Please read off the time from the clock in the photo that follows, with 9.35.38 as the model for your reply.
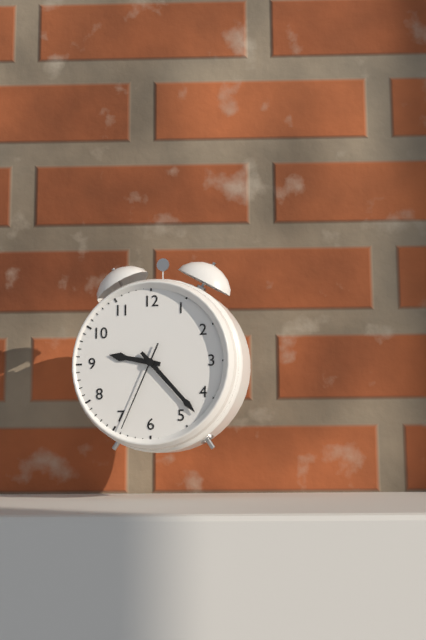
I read 9.23.34
